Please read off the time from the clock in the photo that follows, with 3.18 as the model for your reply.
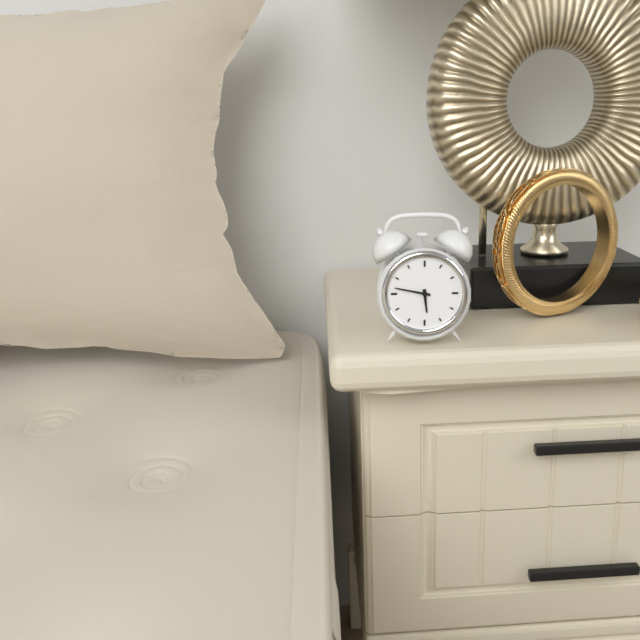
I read 5.47
